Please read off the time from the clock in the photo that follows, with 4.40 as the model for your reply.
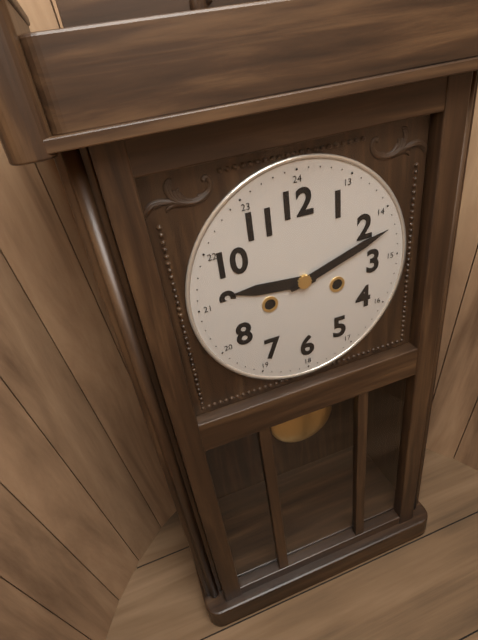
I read 9.12
